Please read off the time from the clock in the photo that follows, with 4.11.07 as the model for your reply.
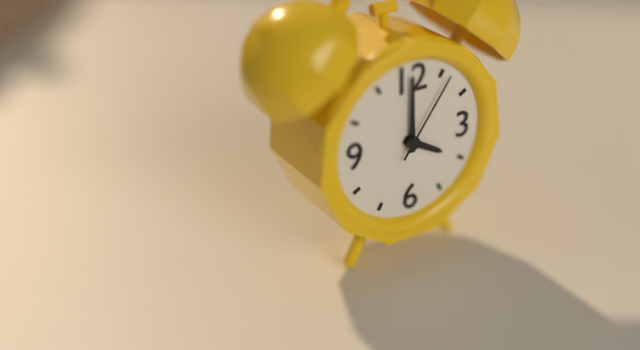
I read 4.00.06
